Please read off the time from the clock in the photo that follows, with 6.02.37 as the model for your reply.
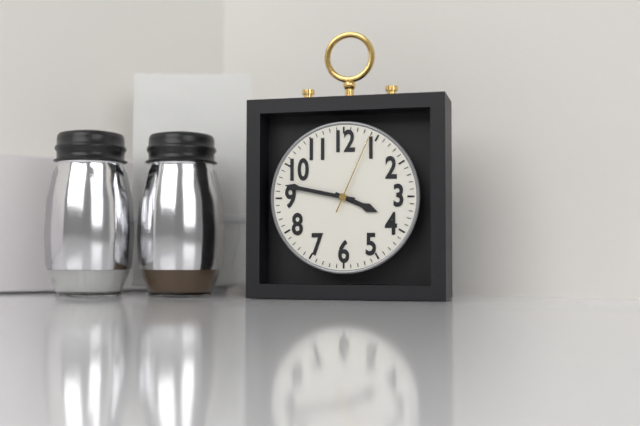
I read 3.47.04
